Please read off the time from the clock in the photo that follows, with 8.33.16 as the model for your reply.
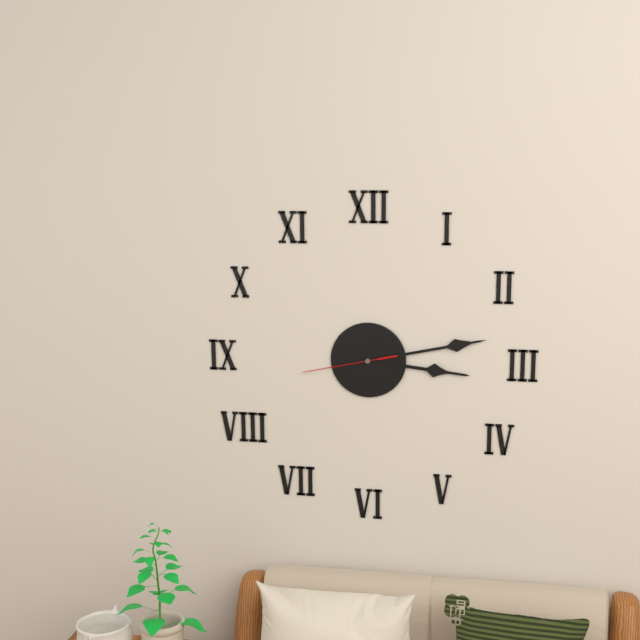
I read 3.13.43
